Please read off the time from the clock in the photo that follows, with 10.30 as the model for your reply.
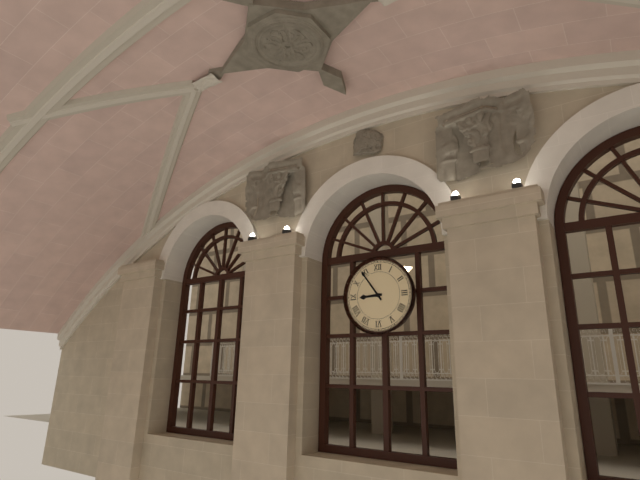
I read 8.54
